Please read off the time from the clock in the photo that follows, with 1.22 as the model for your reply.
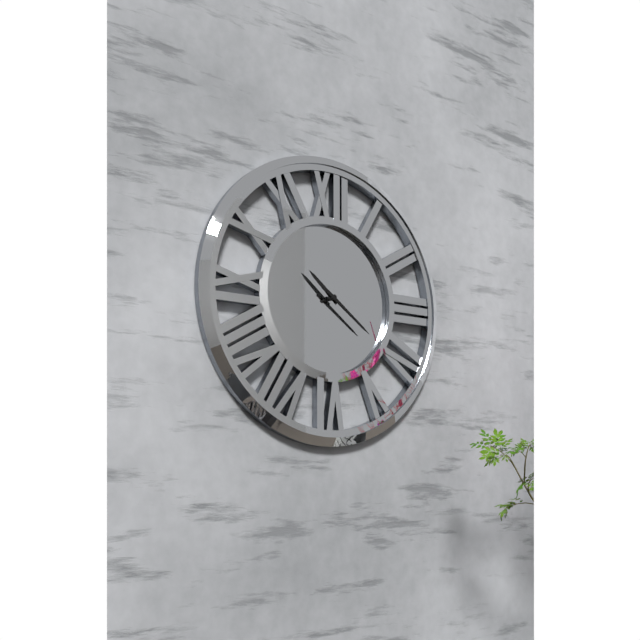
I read 10.21
